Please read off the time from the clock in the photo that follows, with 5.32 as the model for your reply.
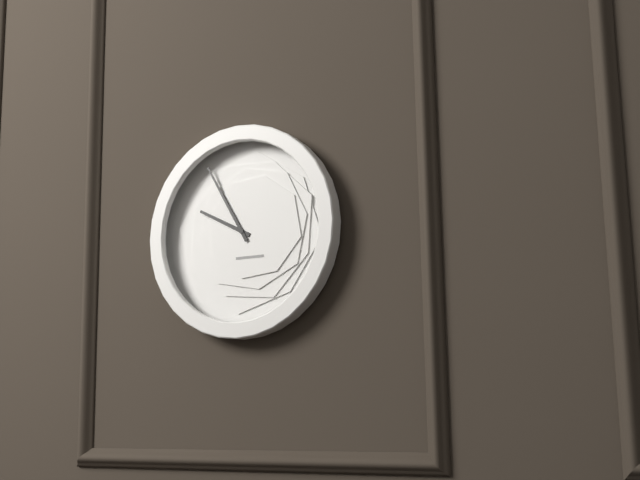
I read 9.55
